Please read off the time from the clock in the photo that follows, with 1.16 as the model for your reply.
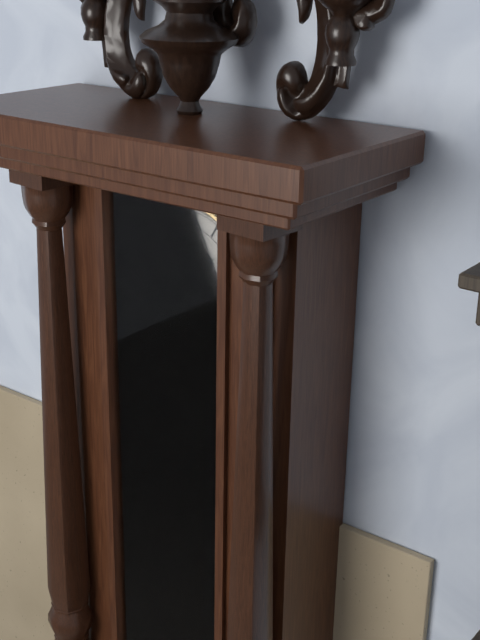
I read 1.44
